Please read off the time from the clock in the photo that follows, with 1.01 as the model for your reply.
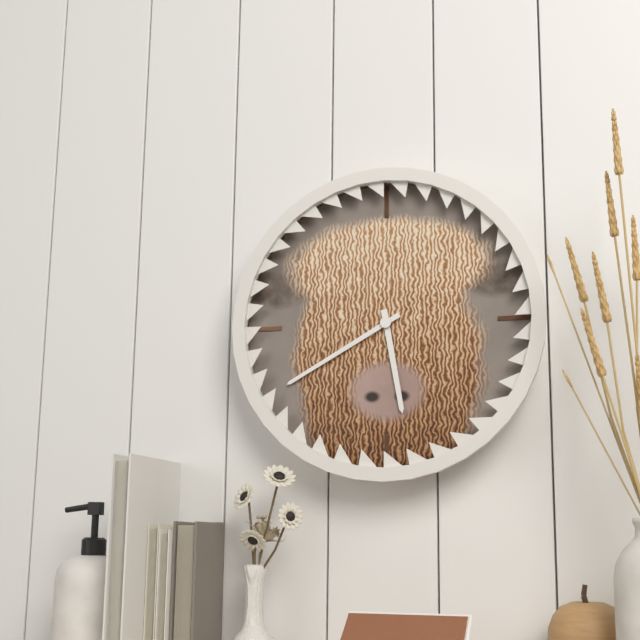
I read 5.40
